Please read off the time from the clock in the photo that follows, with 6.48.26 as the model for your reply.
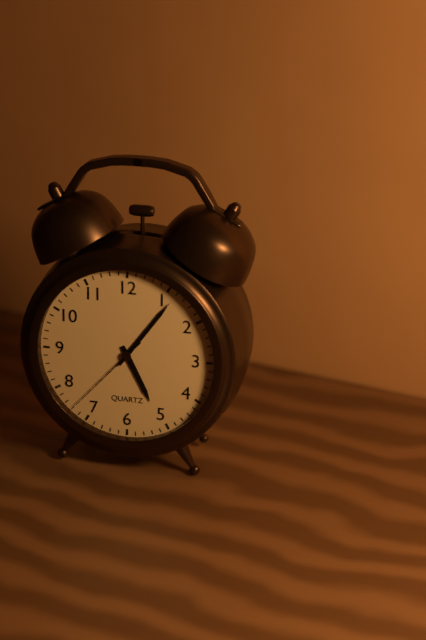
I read 5.06.37
